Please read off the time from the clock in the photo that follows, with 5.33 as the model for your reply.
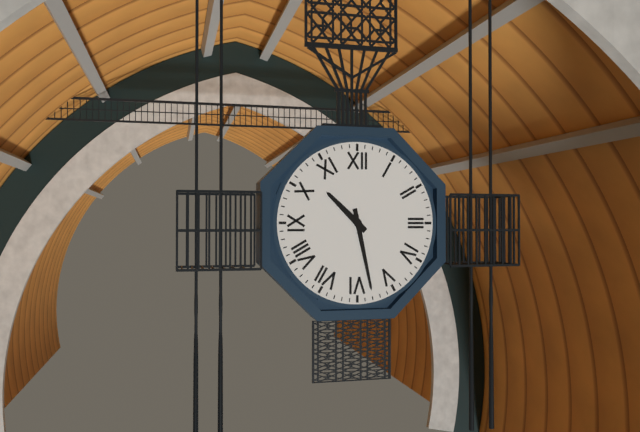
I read 10.28
